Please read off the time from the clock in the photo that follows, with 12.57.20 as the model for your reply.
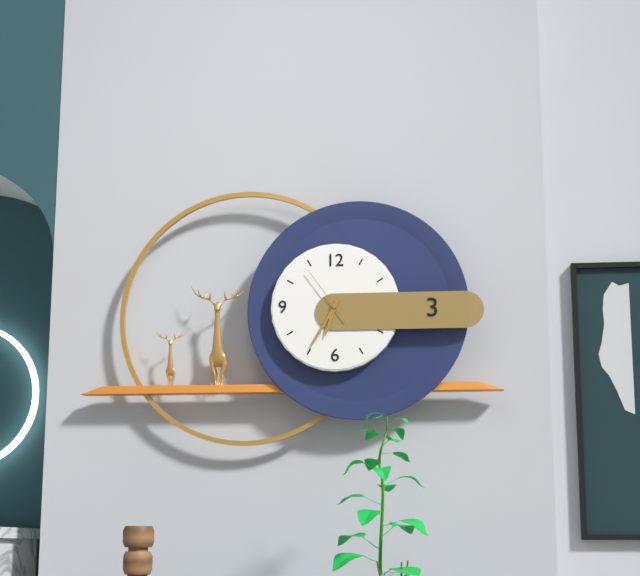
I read 6.35.54
